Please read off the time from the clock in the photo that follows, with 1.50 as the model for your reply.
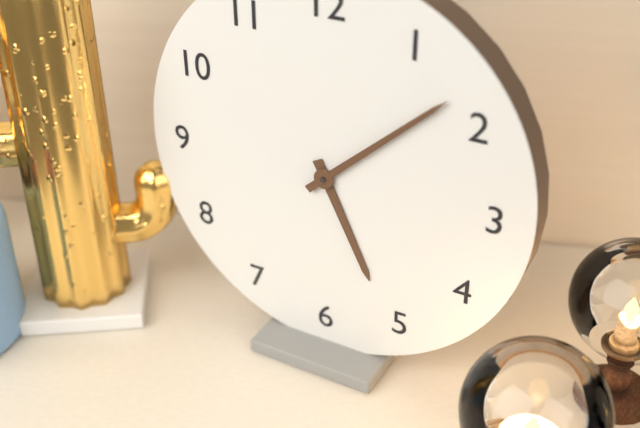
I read 5.08
